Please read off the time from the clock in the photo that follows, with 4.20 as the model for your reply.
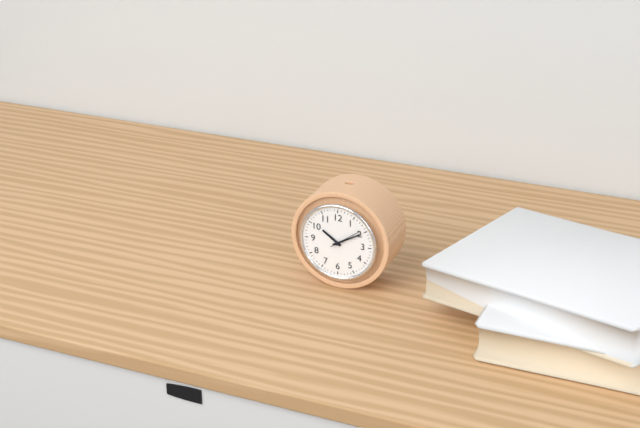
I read 10.10
